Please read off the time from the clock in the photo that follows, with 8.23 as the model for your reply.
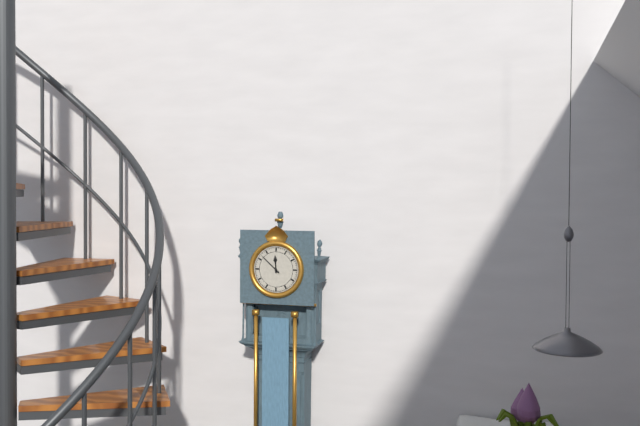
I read 11.52
